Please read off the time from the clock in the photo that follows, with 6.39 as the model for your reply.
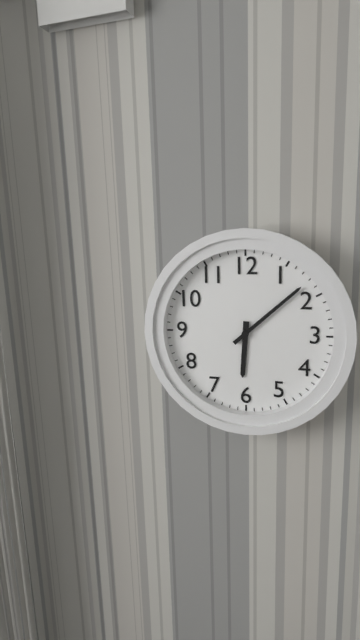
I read 6.08
